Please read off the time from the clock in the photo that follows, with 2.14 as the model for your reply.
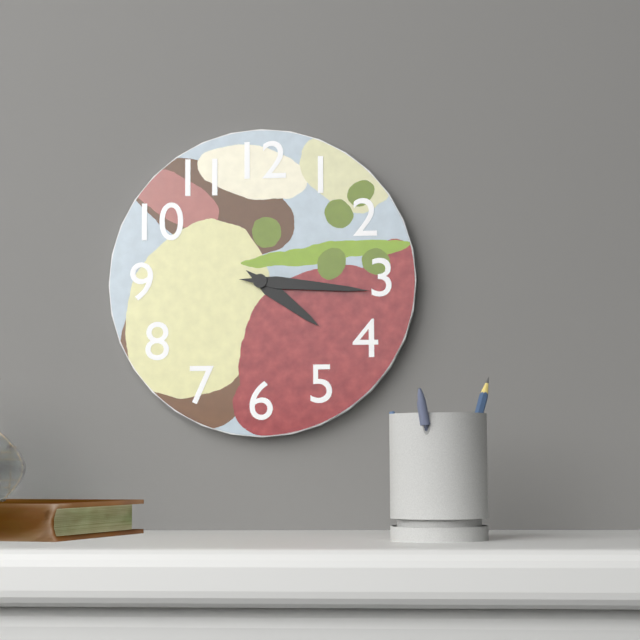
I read 4.16
